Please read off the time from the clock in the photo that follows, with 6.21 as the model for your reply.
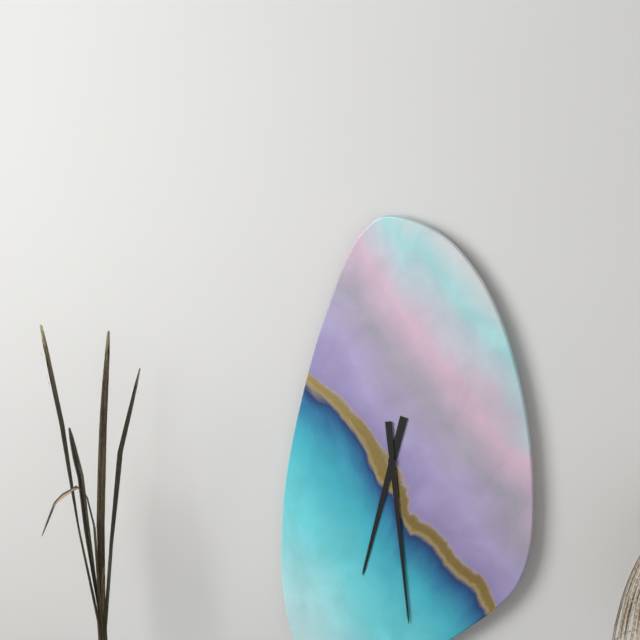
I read 6.29
